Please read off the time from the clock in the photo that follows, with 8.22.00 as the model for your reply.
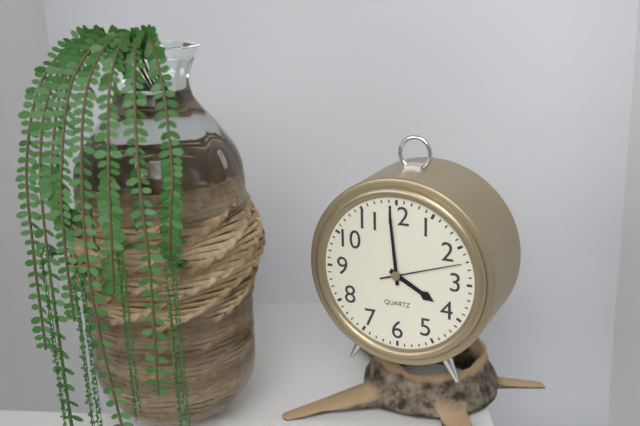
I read 3.59.12
